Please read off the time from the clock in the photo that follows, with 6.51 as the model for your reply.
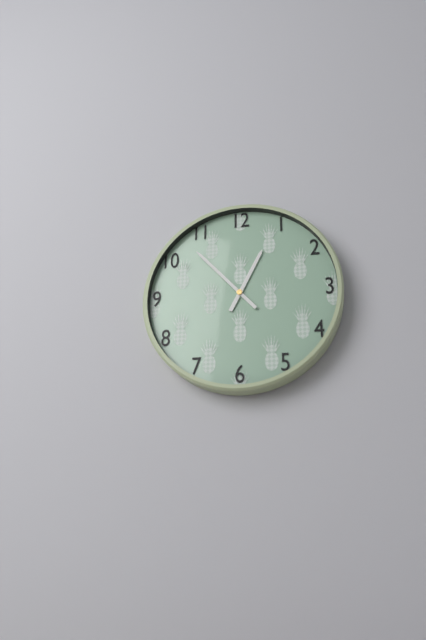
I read 12.53
